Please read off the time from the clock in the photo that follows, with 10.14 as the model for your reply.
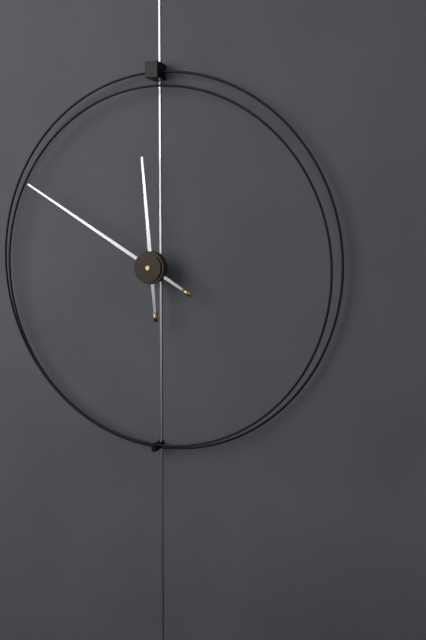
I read 11.50
